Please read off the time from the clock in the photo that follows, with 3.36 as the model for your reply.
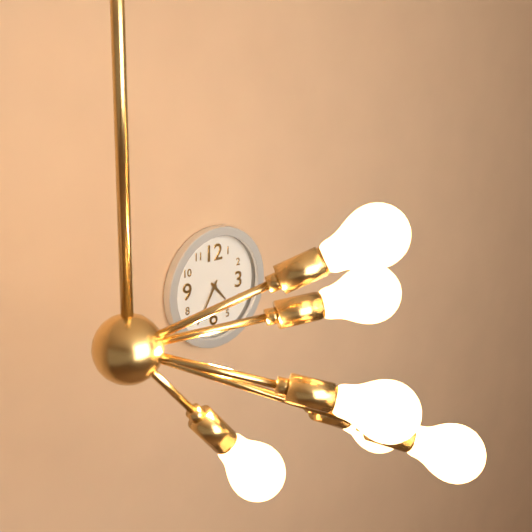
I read 4.35
